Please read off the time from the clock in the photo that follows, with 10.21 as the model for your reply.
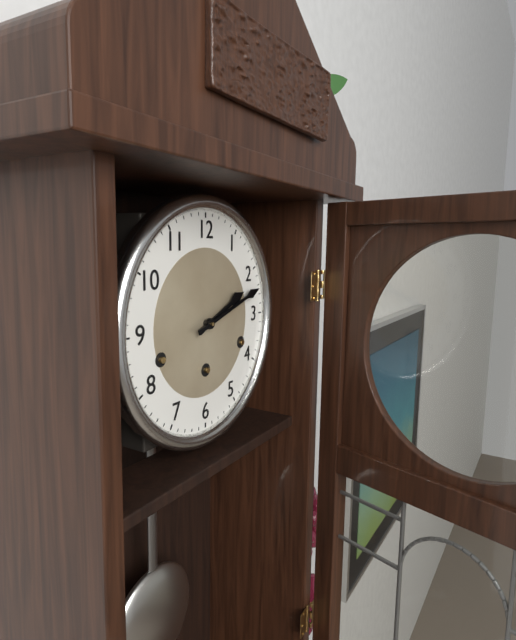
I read 2.12
